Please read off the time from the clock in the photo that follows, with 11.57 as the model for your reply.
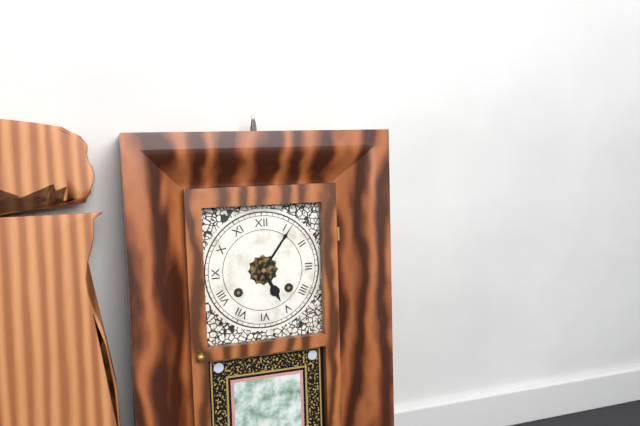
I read 5.06
